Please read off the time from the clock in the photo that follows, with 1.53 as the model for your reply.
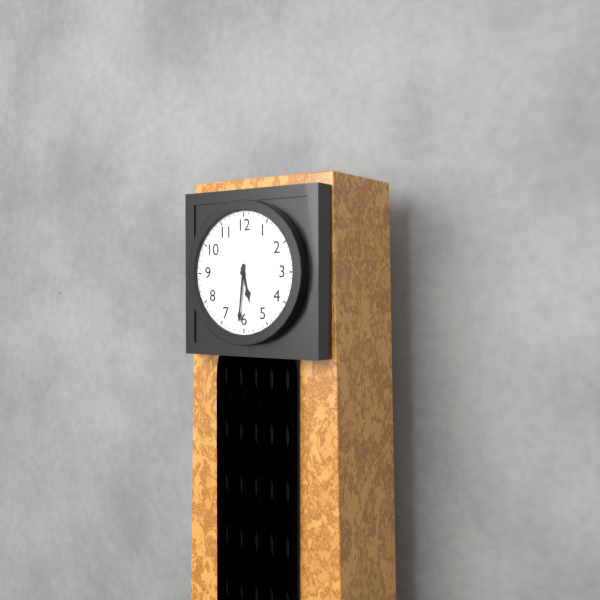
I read 5.31
